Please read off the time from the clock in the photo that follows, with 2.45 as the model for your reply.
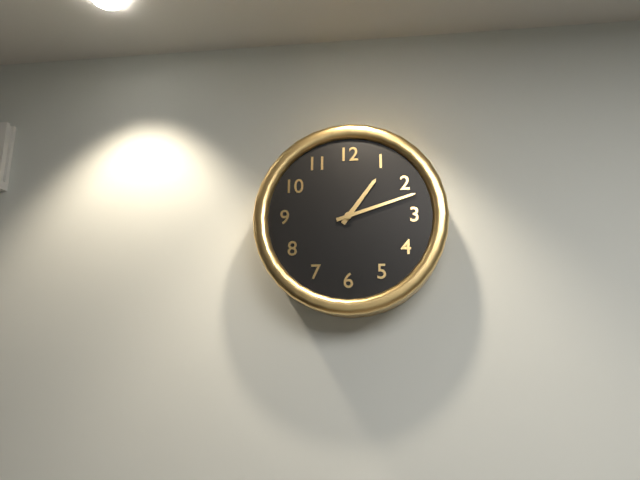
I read 1.12
